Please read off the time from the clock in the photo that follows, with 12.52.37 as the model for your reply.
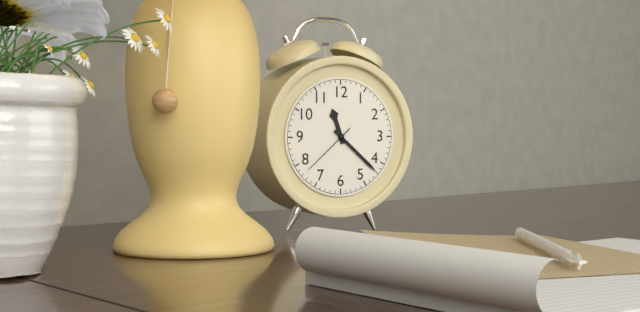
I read 11.22.38
